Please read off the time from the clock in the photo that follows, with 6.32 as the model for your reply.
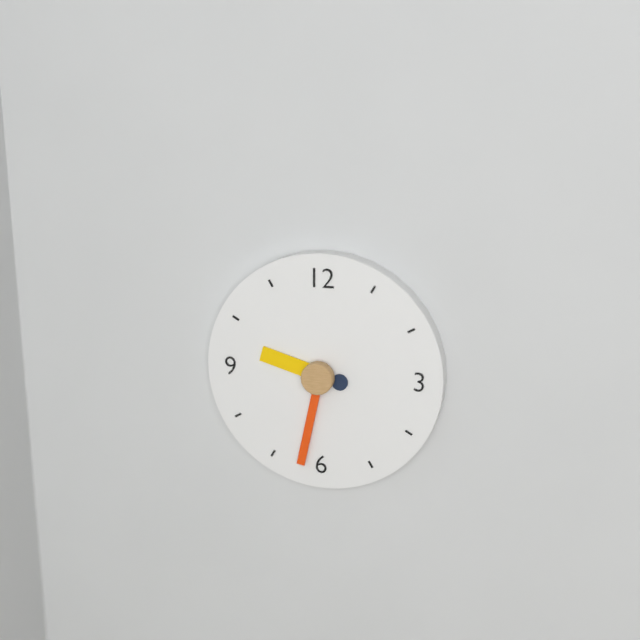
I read 9.32
